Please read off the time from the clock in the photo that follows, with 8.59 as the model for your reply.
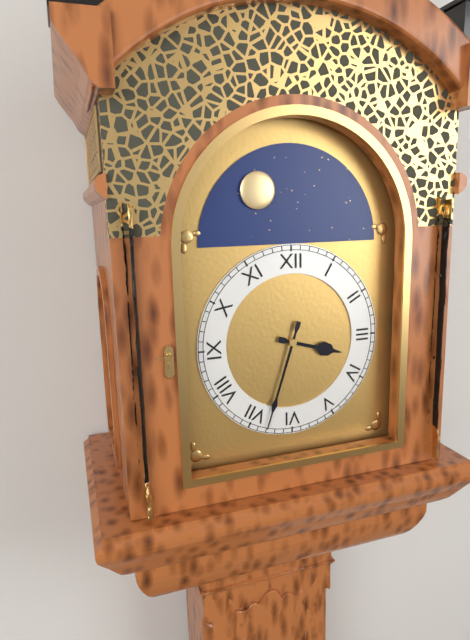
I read 3.33
